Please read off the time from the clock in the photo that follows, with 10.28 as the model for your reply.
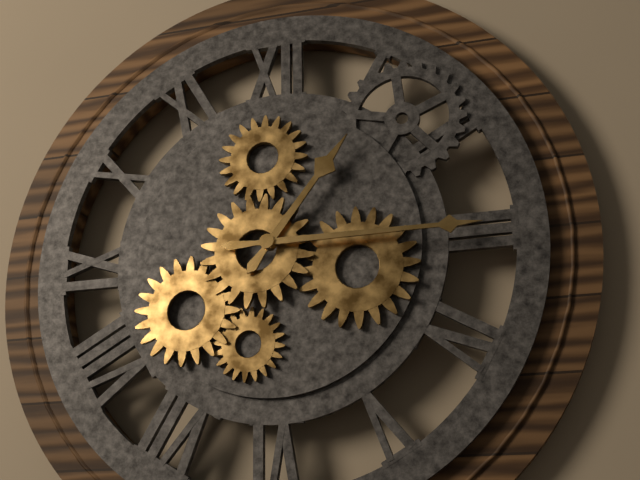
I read 1.15
